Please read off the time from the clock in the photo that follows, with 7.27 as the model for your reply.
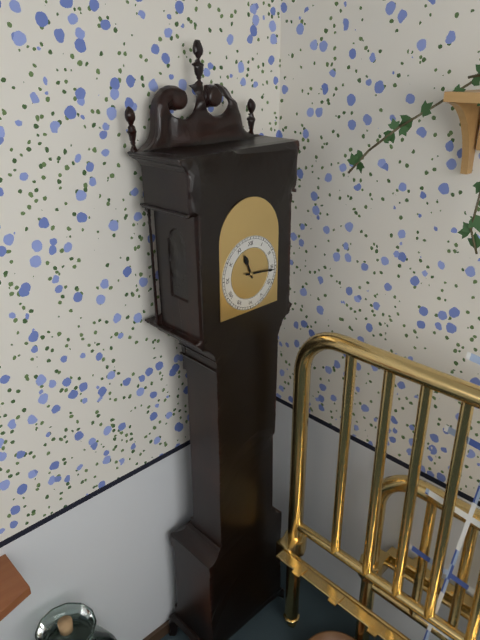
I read 11.16
